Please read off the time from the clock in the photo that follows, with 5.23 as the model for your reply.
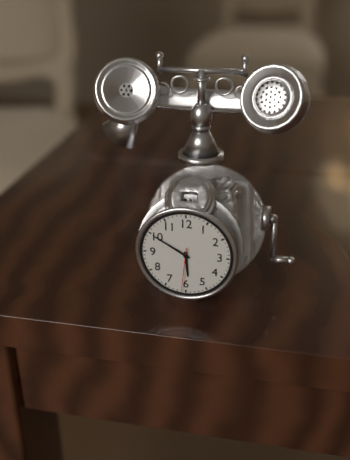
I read 5.50
